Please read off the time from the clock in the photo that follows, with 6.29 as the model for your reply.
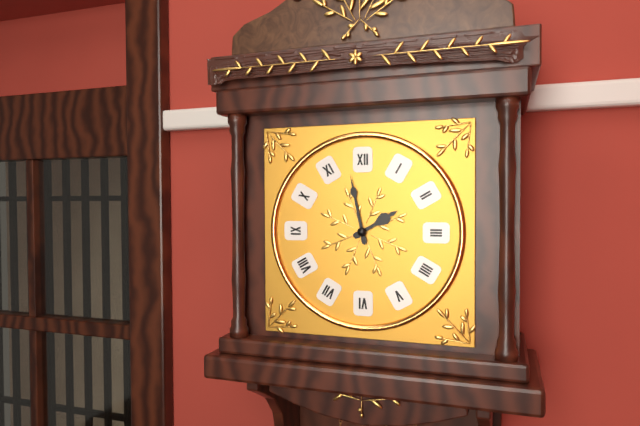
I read 1.58
